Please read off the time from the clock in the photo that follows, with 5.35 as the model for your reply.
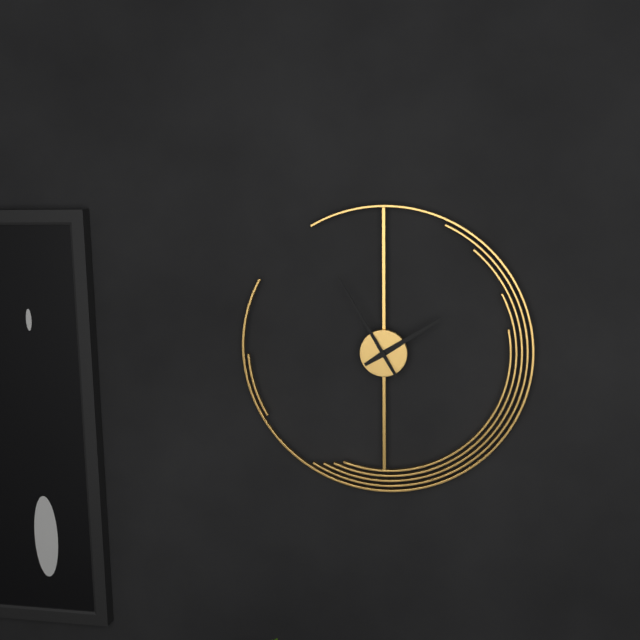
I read 1.55
